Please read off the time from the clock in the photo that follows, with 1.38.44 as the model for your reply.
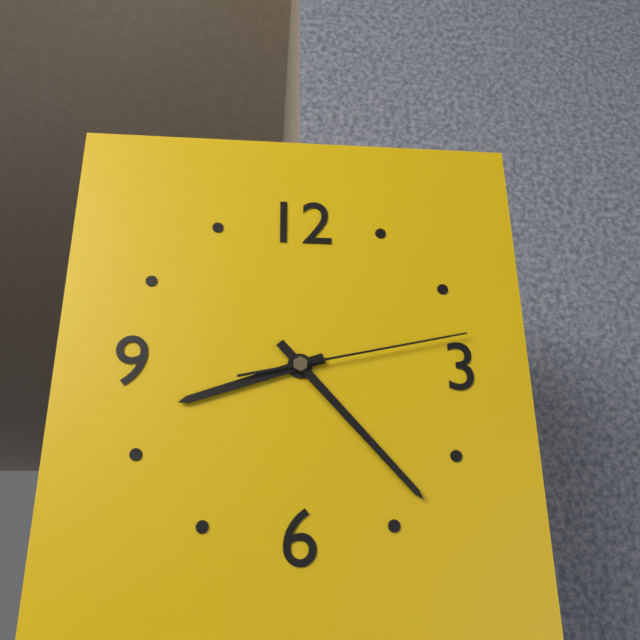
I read 8.23.13
